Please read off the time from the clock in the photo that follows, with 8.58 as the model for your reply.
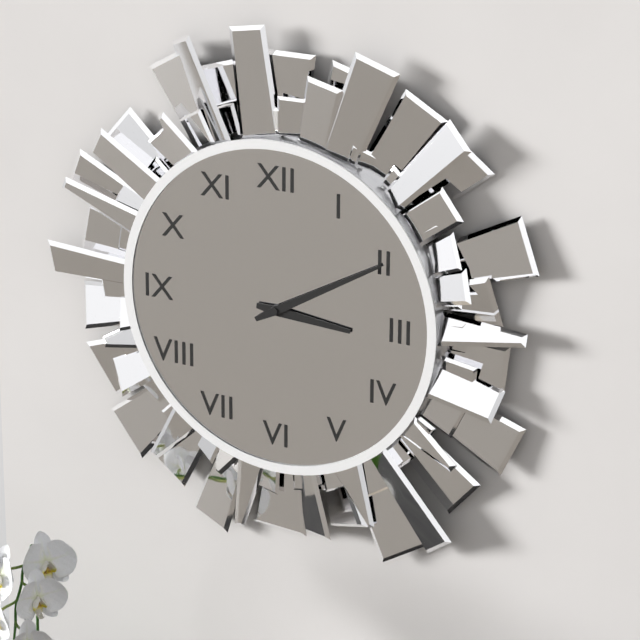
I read 3.10
